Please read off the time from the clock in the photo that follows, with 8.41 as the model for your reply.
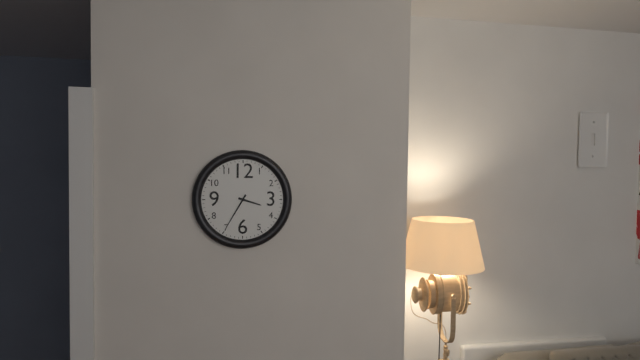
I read 3.35
